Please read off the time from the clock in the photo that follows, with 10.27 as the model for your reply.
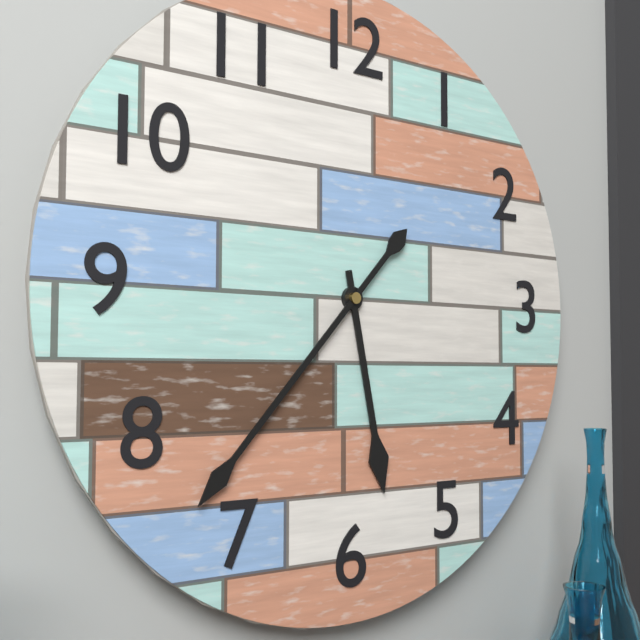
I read 5.37
